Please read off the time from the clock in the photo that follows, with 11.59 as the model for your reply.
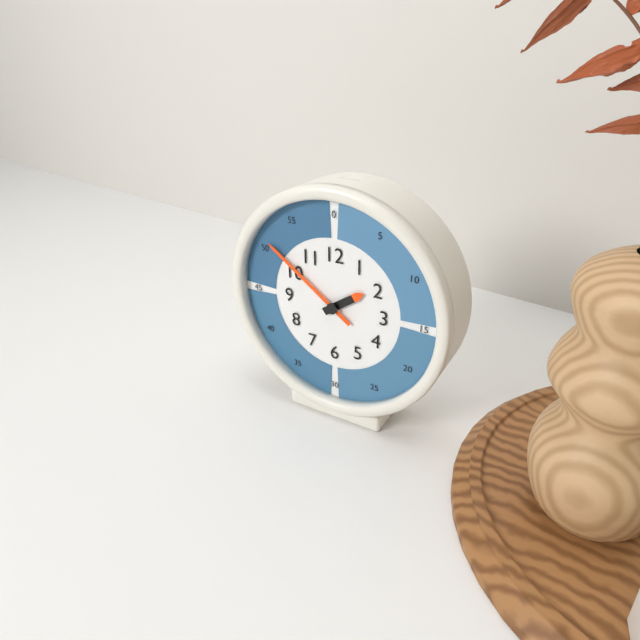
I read 1.51
